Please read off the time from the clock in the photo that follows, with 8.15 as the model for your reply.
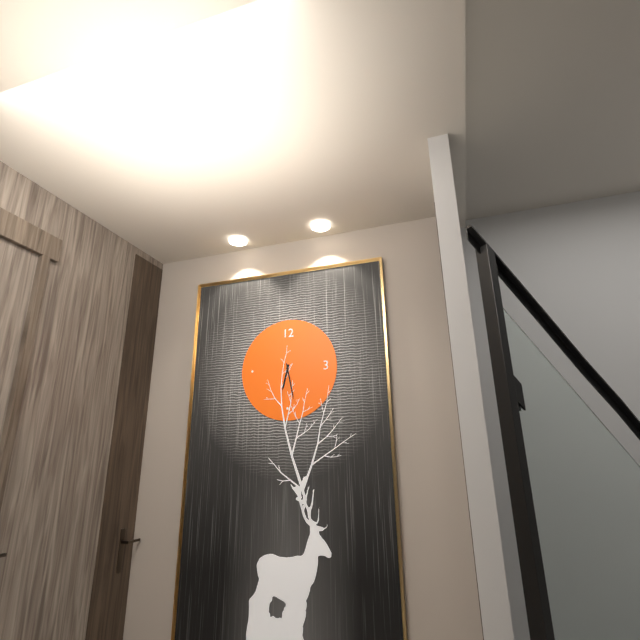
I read 6.28
